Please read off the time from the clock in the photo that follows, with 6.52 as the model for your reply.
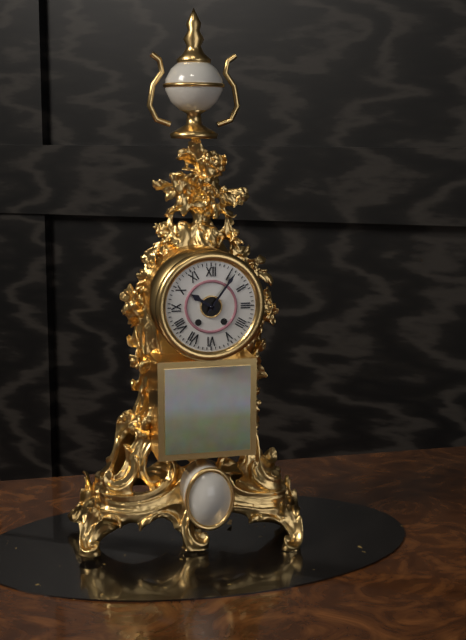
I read 10.06
